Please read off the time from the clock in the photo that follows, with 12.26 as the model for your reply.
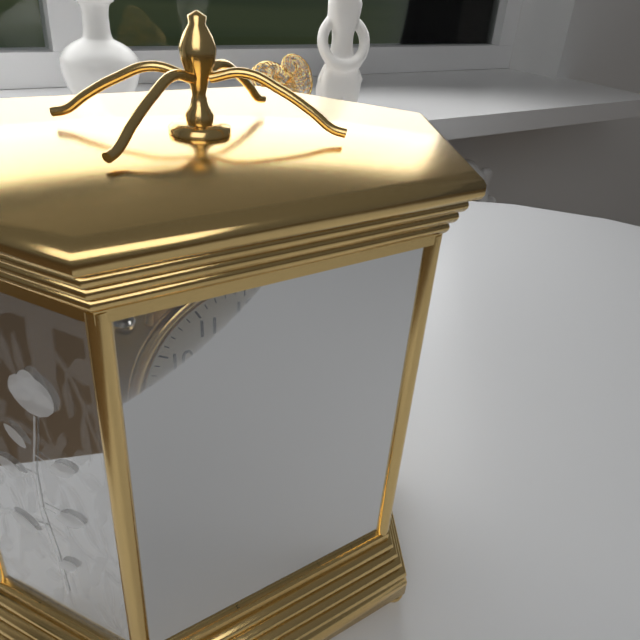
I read 8.04
